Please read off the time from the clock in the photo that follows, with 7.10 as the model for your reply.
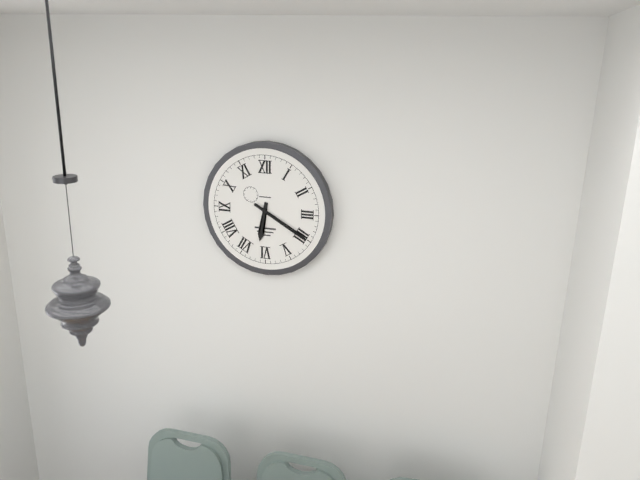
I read 6.20
